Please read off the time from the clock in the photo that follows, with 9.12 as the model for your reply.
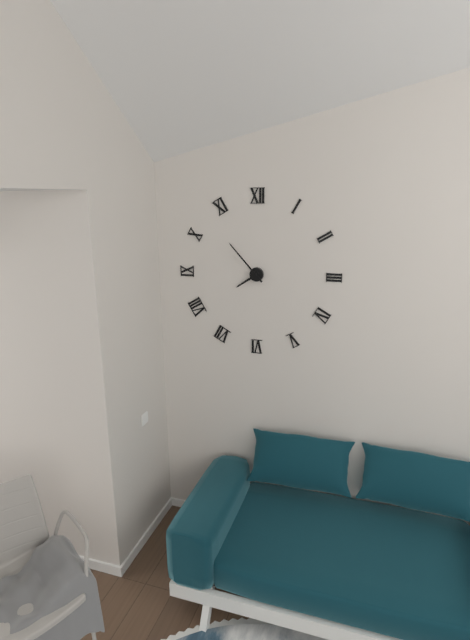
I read 7.53
